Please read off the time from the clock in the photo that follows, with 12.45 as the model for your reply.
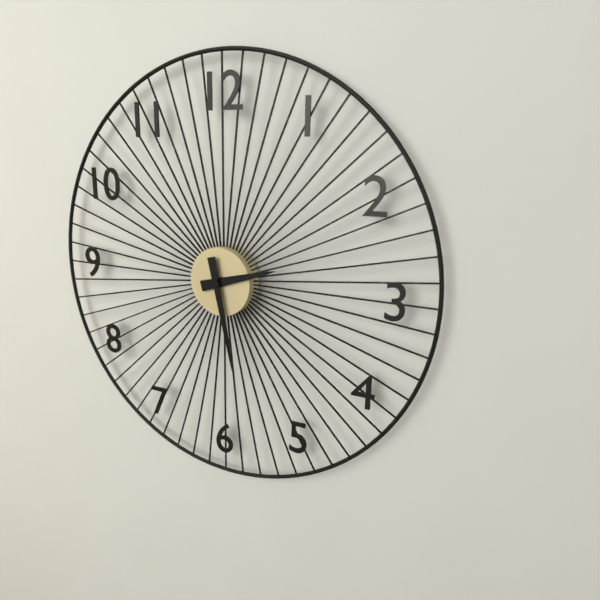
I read 2.28
